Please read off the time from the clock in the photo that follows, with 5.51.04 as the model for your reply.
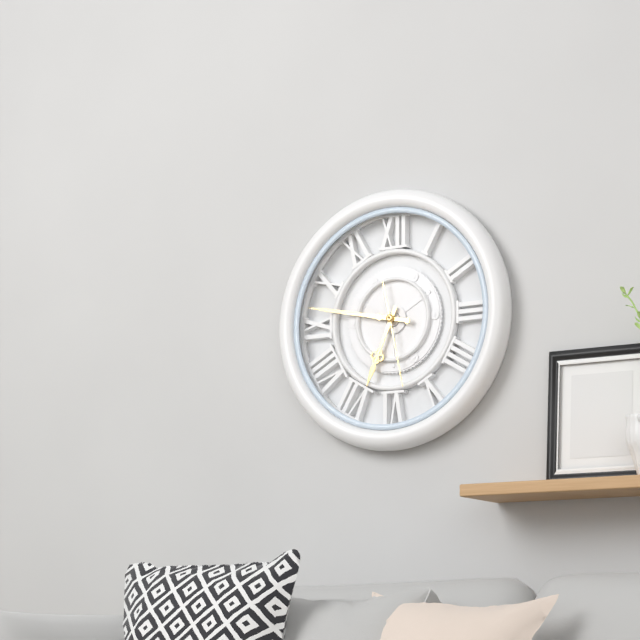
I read 6.47.28
